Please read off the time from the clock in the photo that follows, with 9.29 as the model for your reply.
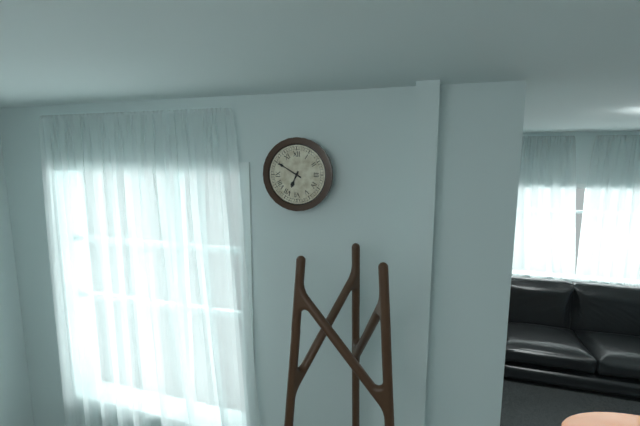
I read 6.50
